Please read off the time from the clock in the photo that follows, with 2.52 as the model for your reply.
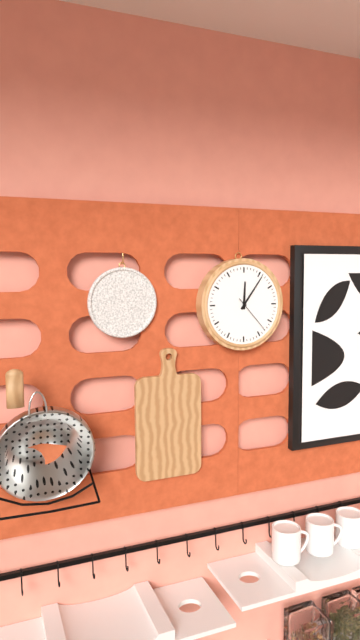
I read 12.06
